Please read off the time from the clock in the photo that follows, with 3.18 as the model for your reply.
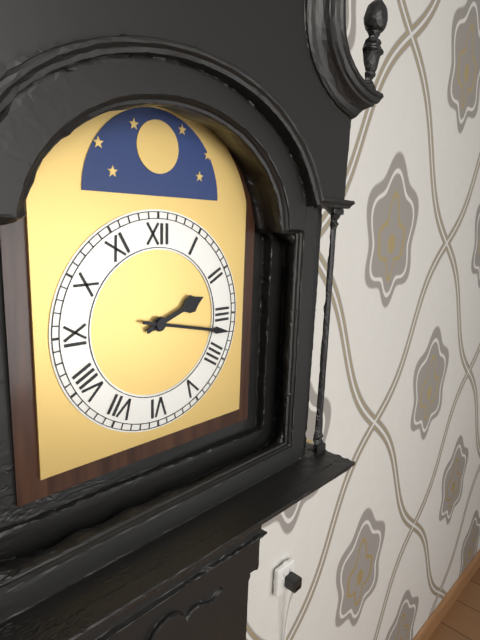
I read 2.17
